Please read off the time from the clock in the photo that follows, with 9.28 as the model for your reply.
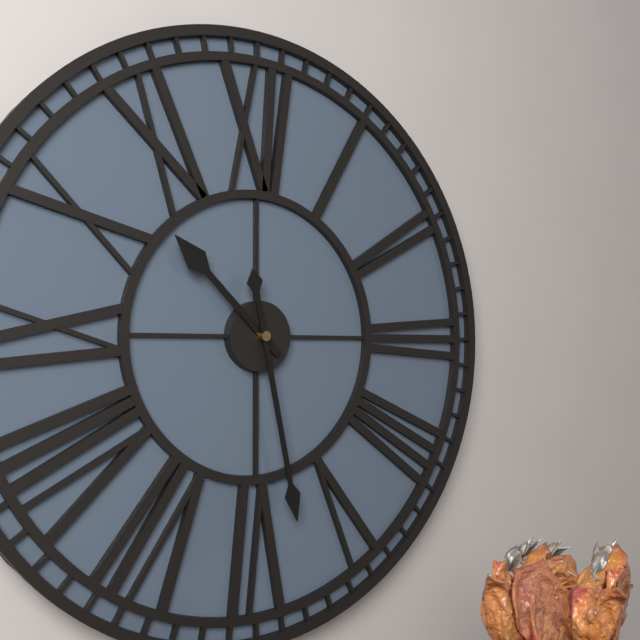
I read 10.28
